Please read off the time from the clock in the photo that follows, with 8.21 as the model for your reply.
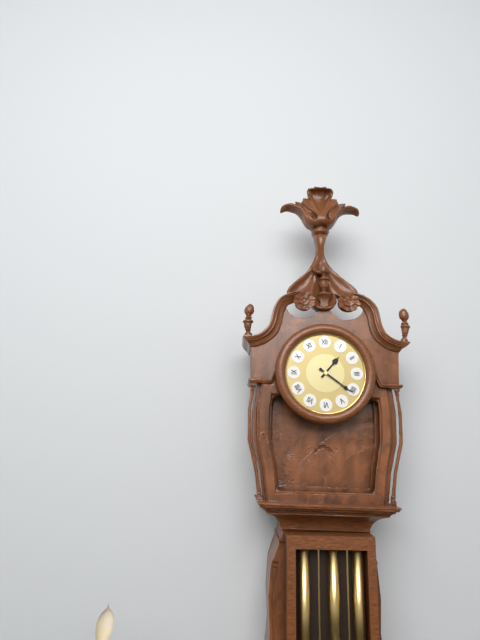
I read 1.21
